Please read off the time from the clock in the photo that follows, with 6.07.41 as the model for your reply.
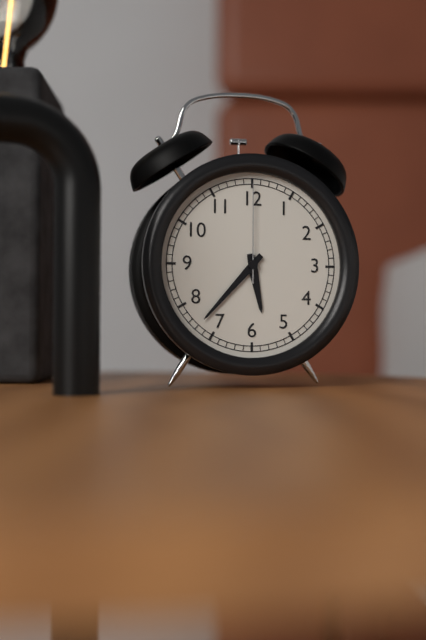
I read 5.37.00
